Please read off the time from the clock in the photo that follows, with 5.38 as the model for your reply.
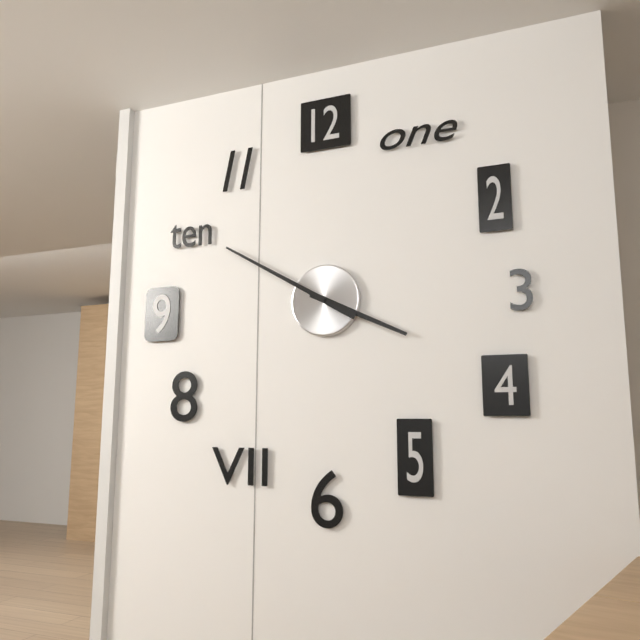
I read 3.50
